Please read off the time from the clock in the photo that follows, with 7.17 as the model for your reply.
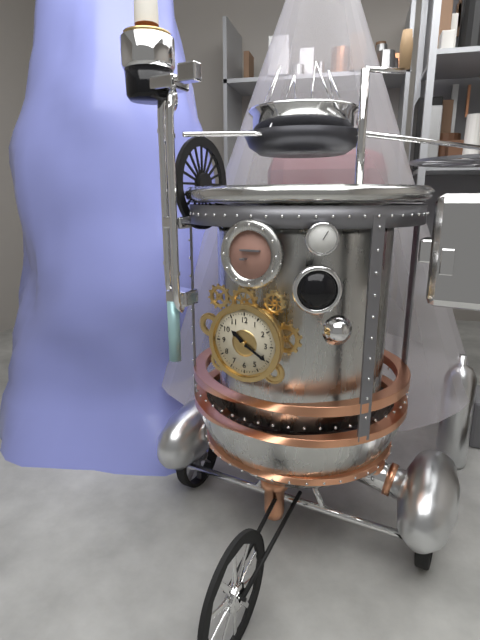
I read 10.20
